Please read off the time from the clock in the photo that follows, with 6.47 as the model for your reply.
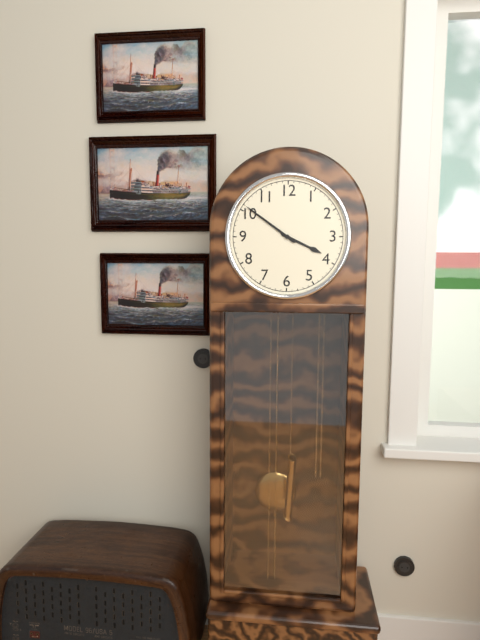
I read 3.51
